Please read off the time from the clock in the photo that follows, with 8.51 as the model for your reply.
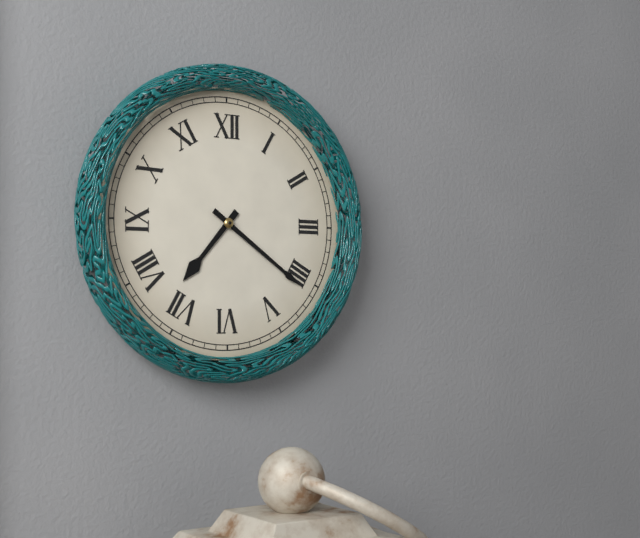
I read 7.21
